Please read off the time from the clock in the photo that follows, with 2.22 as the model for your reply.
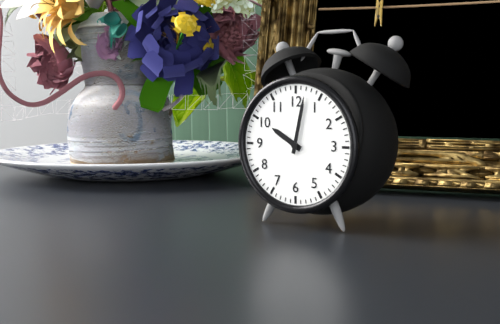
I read 10.02
